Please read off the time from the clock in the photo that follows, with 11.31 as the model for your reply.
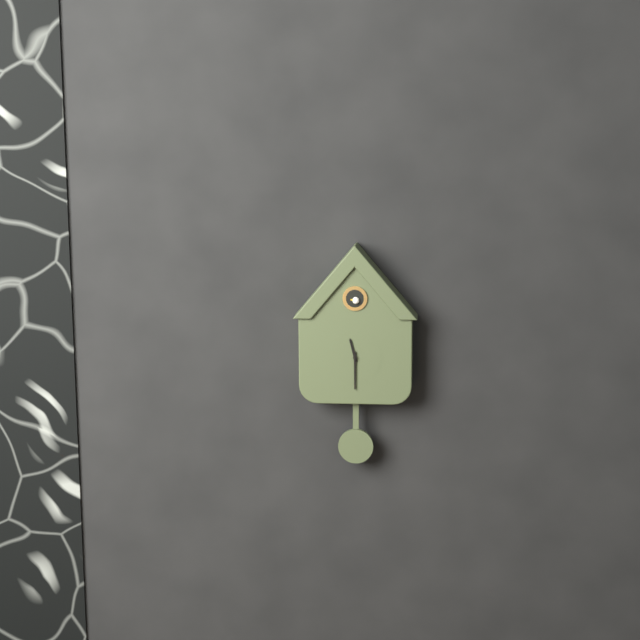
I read 11.30
